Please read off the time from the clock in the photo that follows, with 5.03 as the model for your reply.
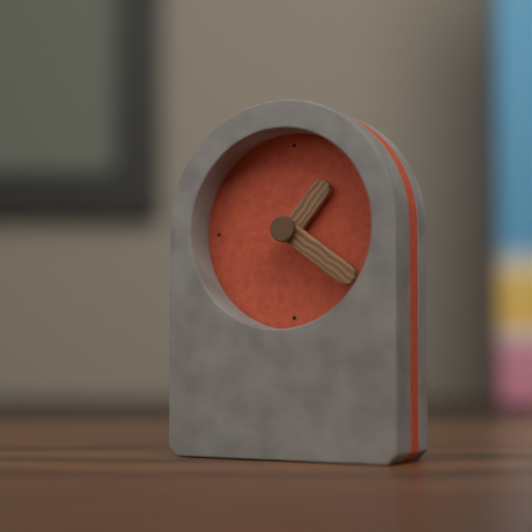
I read 1.21
